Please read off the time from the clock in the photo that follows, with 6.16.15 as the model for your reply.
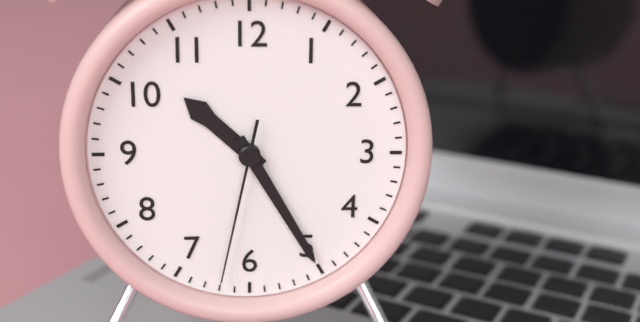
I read 10.25.32
